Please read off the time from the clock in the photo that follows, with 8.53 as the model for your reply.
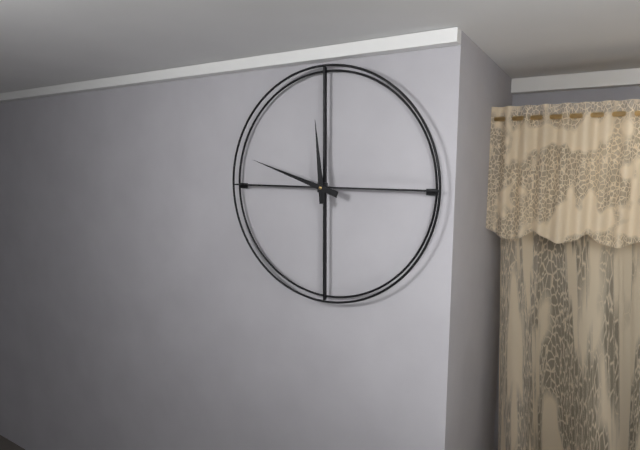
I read 11.48
